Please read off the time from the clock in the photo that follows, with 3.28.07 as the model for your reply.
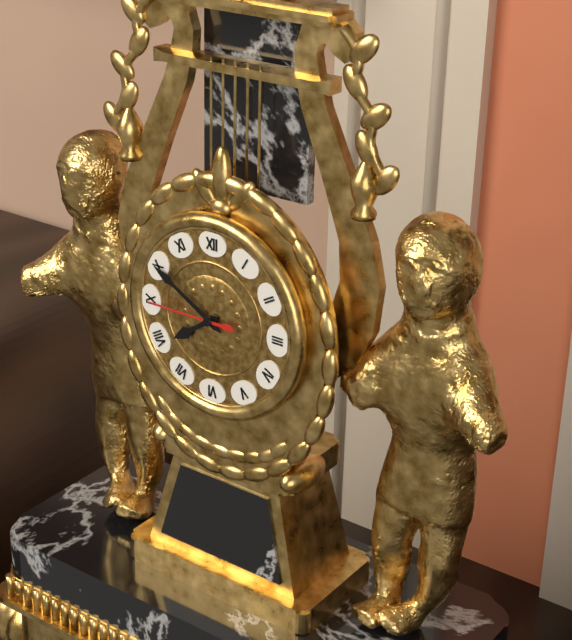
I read 7.50.45
